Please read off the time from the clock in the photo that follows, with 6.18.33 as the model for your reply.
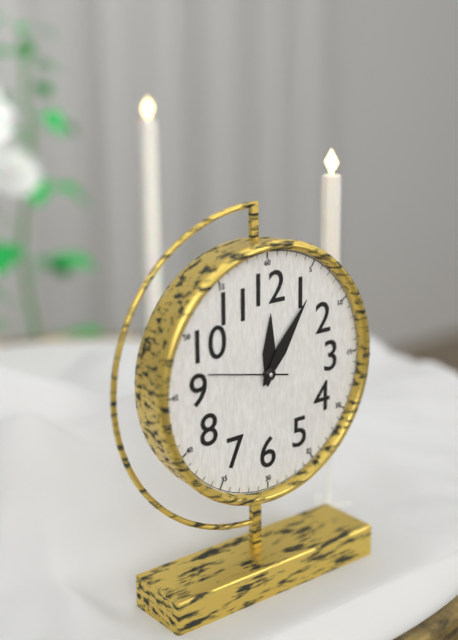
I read 12.06.47
